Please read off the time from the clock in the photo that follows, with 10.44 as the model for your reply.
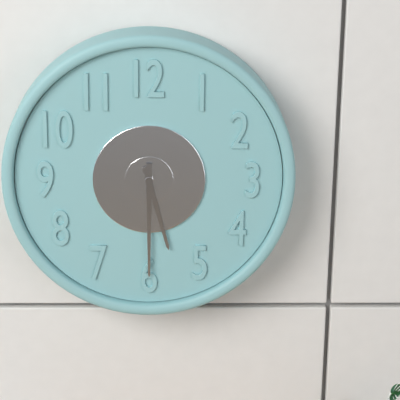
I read 5.30
